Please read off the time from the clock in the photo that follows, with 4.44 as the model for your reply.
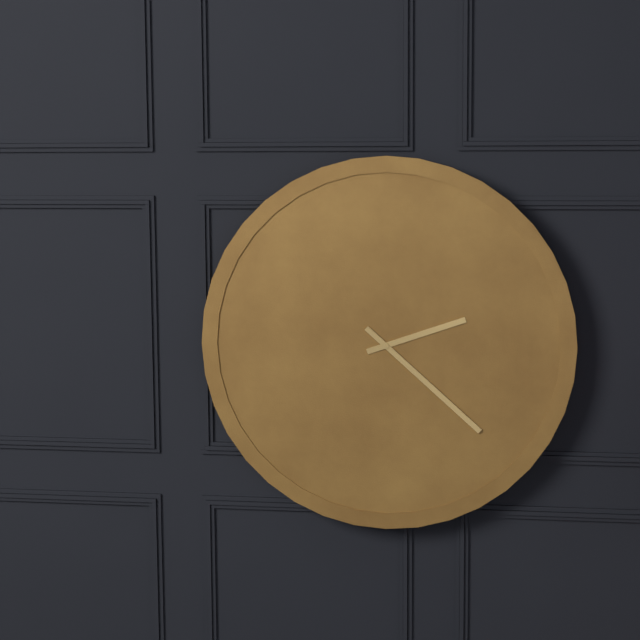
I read 2.22
